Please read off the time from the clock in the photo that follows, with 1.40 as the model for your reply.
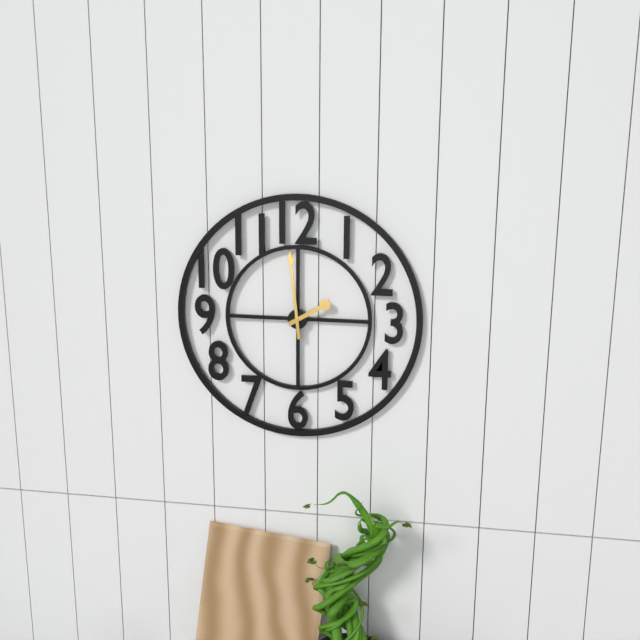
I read 1.59
